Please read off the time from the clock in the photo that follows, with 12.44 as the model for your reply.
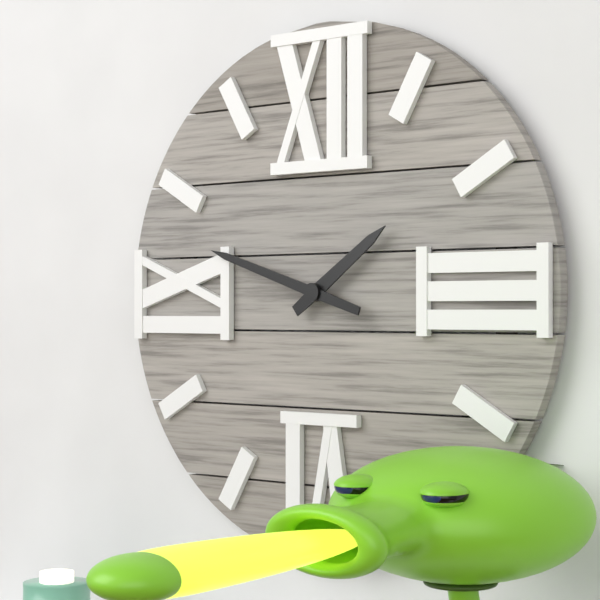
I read 1.48
